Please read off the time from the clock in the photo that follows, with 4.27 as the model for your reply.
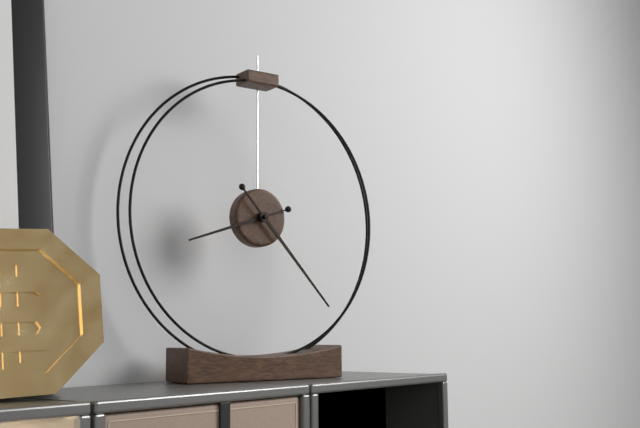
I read 8.23
